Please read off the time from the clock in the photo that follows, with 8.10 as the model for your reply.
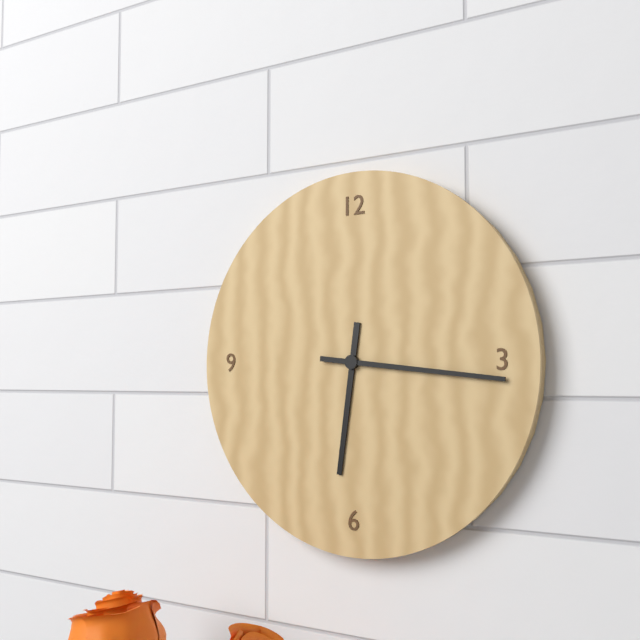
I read 6.16
